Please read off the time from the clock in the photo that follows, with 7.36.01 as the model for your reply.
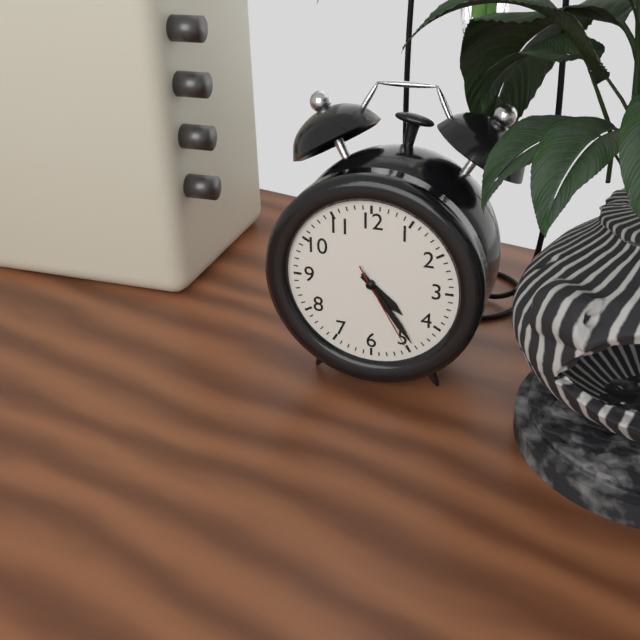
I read 4.24.25
